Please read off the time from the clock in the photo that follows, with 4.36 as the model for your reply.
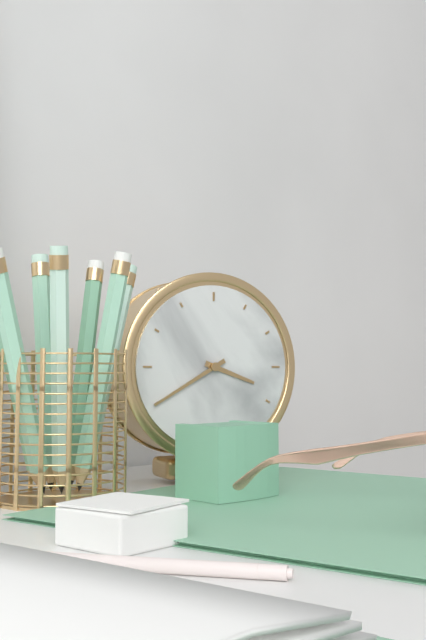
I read 3.40
